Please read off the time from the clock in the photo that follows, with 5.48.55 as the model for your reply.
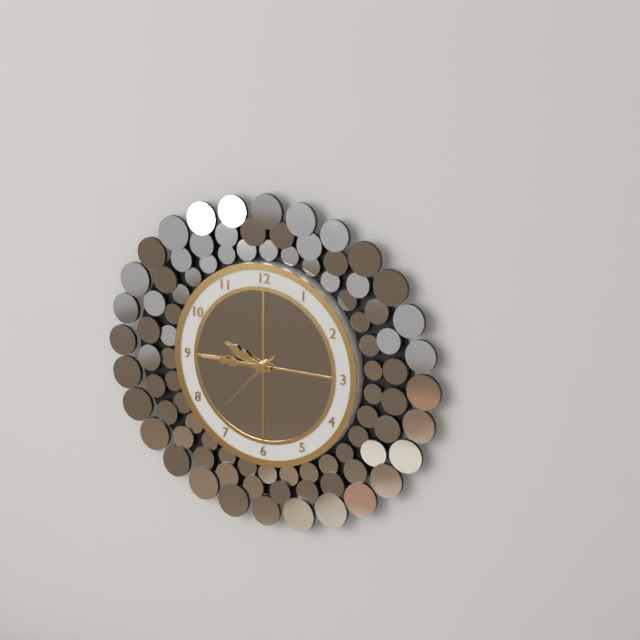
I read 9.45.37
